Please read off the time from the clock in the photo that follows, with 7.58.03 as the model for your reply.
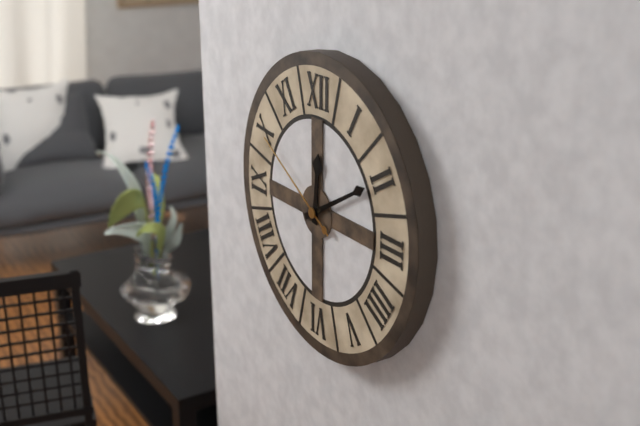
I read 12.10.50
